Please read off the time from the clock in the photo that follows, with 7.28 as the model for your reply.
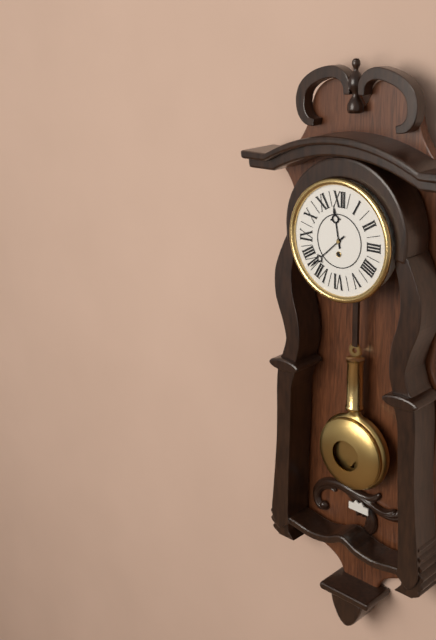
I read 11.38
